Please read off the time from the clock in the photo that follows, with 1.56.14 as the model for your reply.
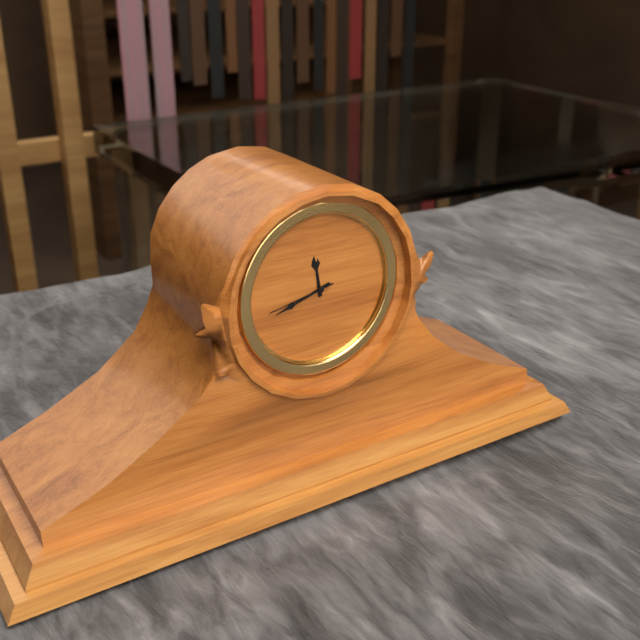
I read 11.42.43
